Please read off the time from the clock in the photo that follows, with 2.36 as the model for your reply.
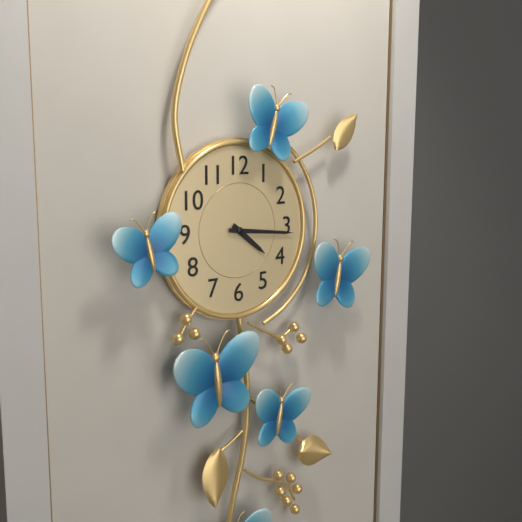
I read 4.16
